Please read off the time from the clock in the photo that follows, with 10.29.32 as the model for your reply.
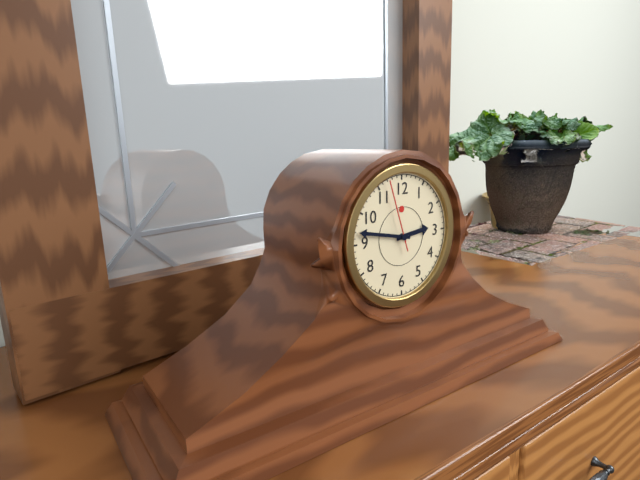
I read 2.47.57
